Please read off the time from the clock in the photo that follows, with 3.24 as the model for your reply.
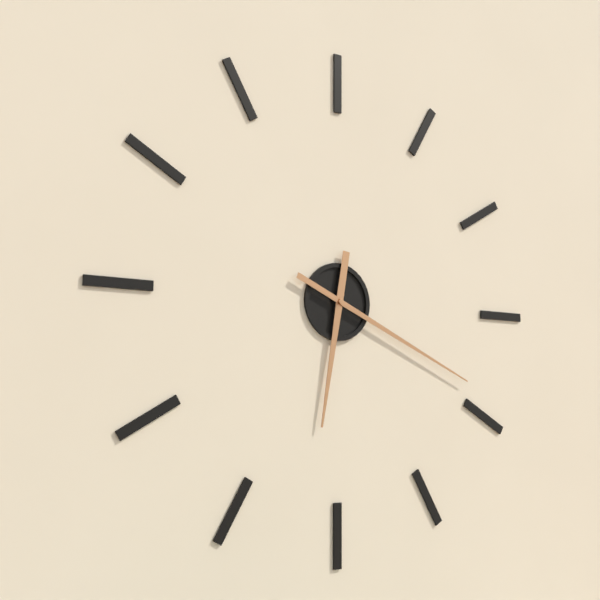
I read 6.19
